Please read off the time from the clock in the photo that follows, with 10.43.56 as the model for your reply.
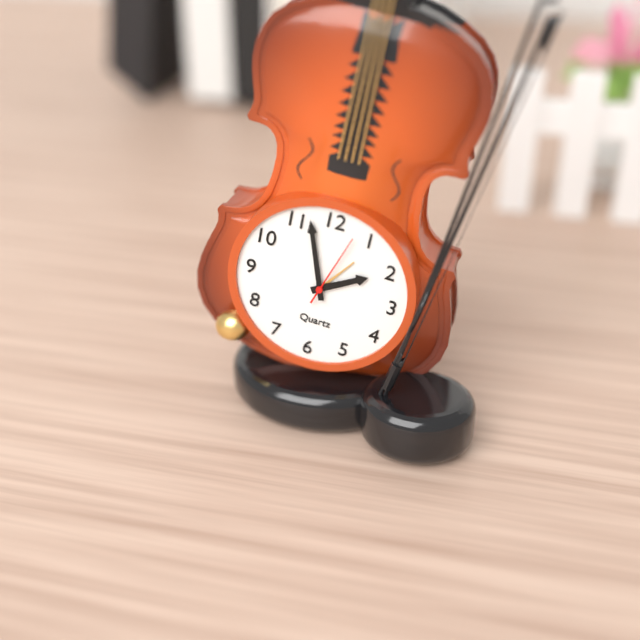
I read 1.57.03
